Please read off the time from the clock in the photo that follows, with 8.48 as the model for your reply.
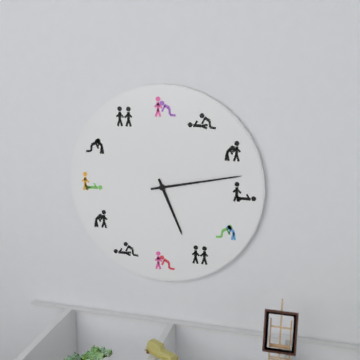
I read 5.13
